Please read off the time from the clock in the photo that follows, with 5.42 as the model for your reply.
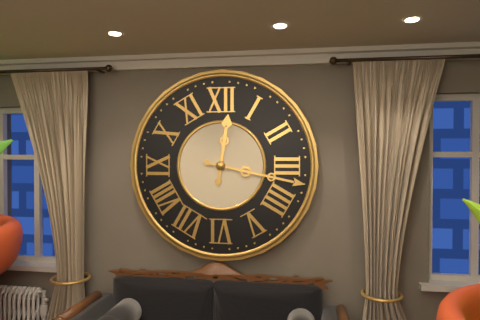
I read 12.17
